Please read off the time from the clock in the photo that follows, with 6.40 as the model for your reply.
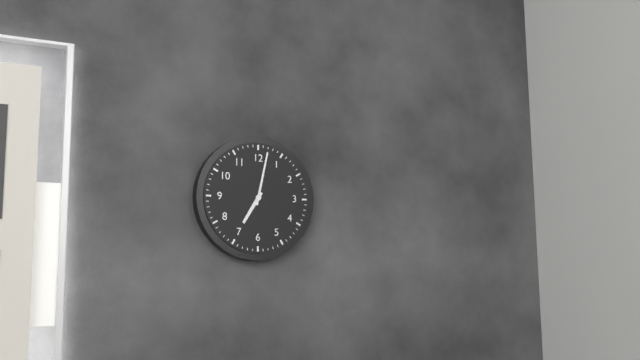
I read 7.02
